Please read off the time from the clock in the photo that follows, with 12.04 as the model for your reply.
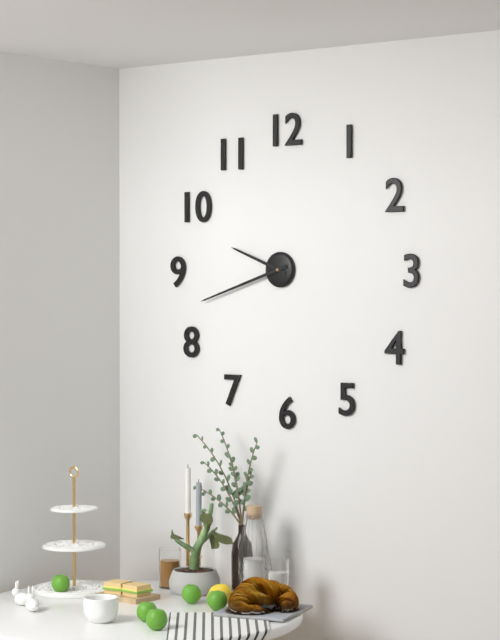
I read 9.42
